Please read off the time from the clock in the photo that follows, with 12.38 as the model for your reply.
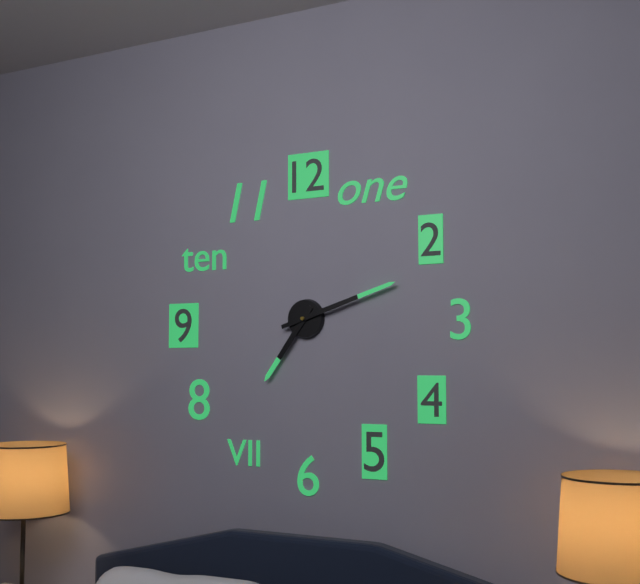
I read 7.12
